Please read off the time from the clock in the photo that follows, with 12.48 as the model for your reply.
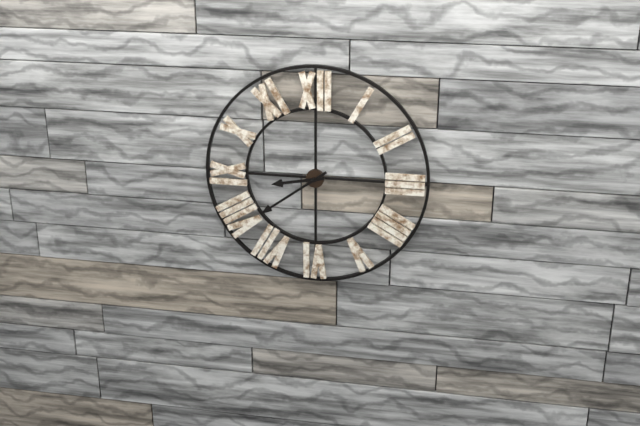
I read 8.39
